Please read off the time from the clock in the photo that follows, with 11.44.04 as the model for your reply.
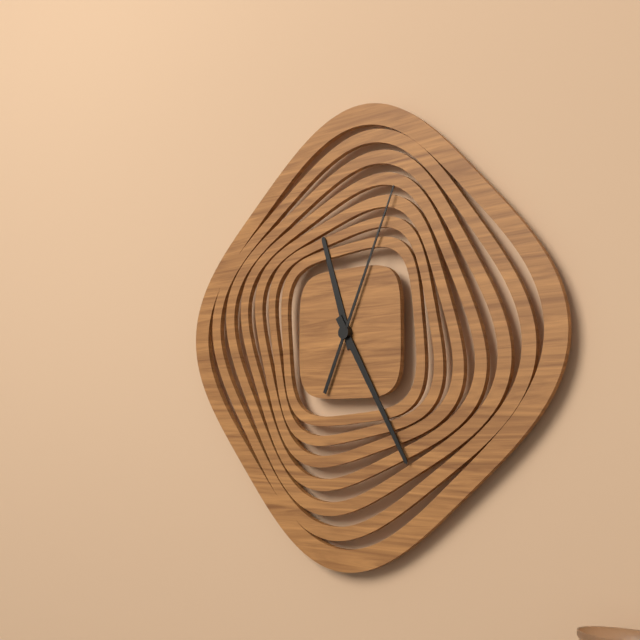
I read 11.25.04
